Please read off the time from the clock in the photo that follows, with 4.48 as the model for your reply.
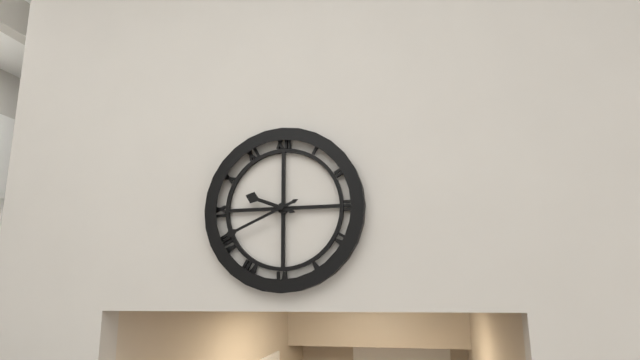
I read 9.41
